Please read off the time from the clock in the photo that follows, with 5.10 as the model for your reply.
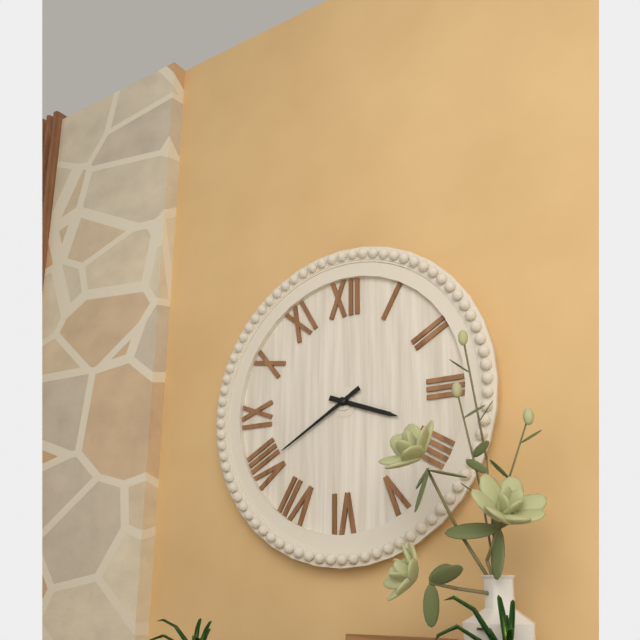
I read 3.40
